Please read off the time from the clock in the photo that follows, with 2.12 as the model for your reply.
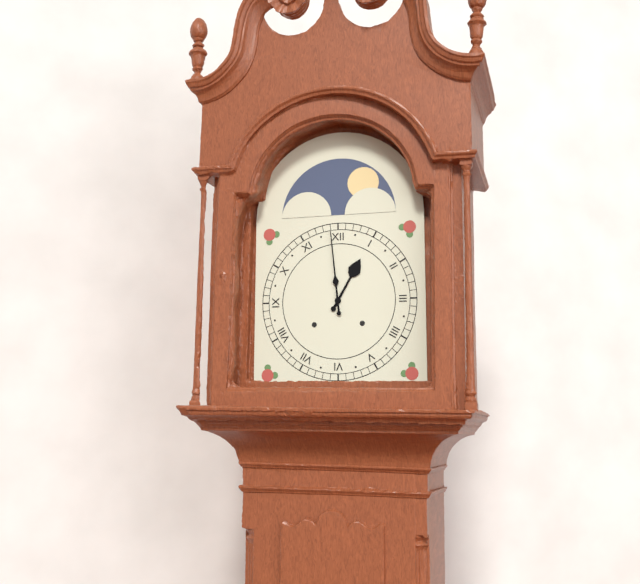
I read 12.59
